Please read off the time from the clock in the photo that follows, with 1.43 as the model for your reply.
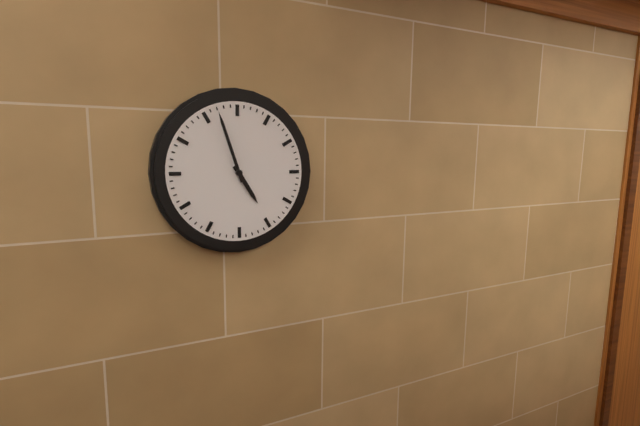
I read 4.57
